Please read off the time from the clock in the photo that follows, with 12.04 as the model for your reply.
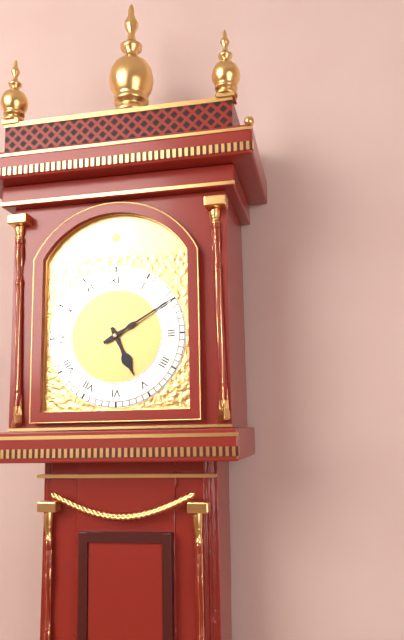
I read 5.10
